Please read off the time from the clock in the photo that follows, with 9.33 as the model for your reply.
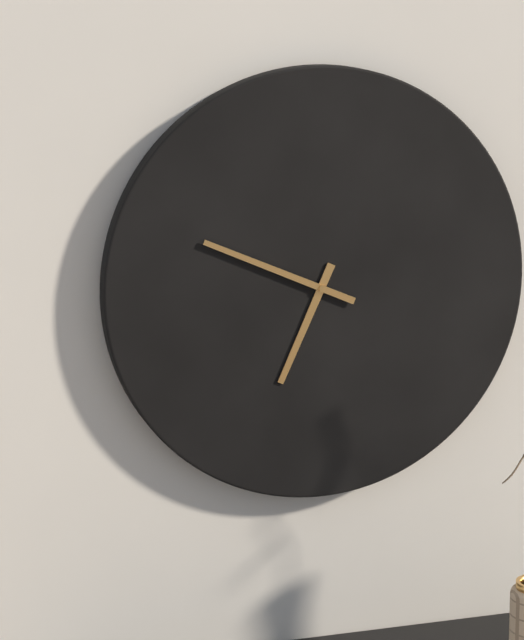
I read 6.49
